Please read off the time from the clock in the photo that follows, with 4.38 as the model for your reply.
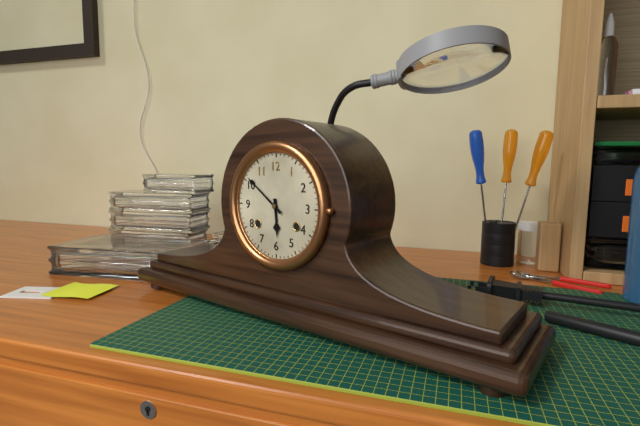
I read 5.51
